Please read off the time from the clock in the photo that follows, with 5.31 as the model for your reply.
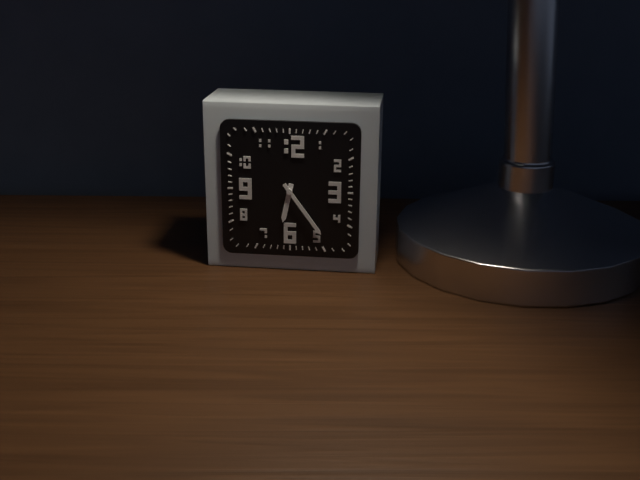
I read 6.24
